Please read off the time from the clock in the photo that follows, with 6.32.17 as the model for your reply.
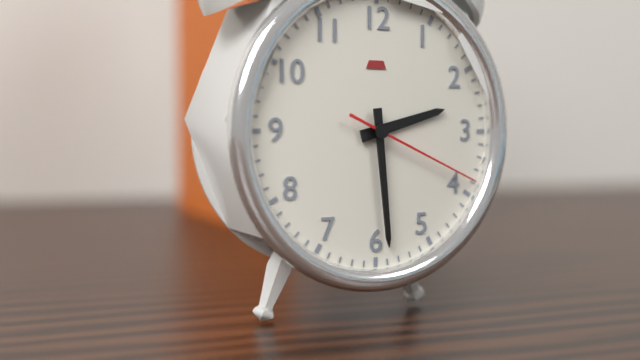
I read 2.29.19
